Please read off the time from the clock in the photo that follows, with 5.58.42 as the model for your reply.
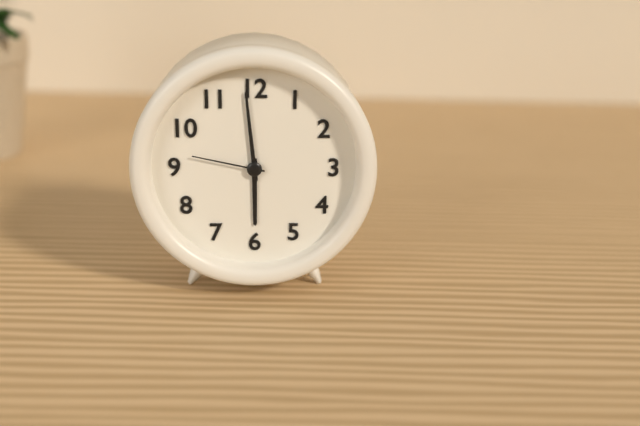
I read 5.59.47
